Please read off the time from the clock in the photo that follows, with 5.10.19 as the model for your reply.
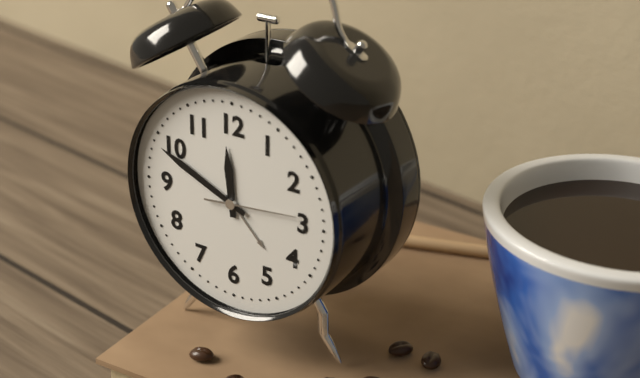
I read 11.49.14
